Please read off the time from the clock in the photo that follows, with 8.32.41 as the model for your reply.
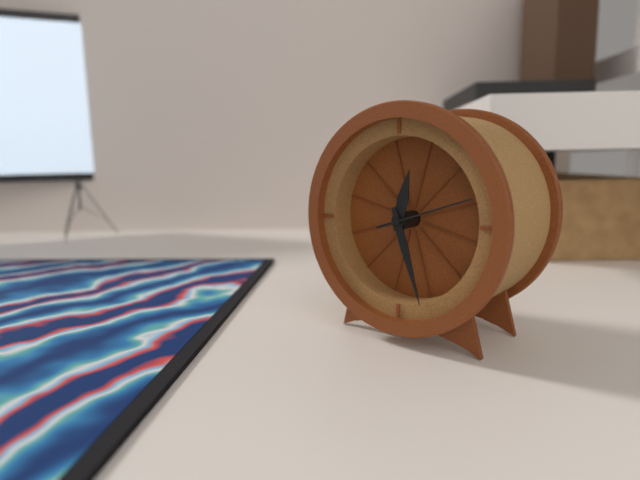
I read 12.27.12
